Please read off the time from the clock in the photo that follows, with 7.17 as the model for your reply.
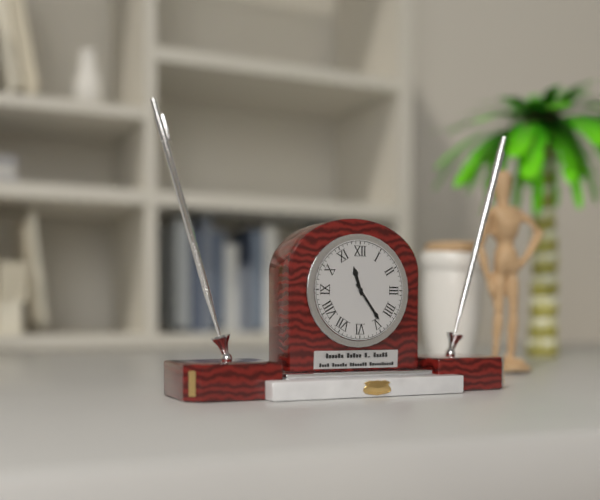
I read 11.24
